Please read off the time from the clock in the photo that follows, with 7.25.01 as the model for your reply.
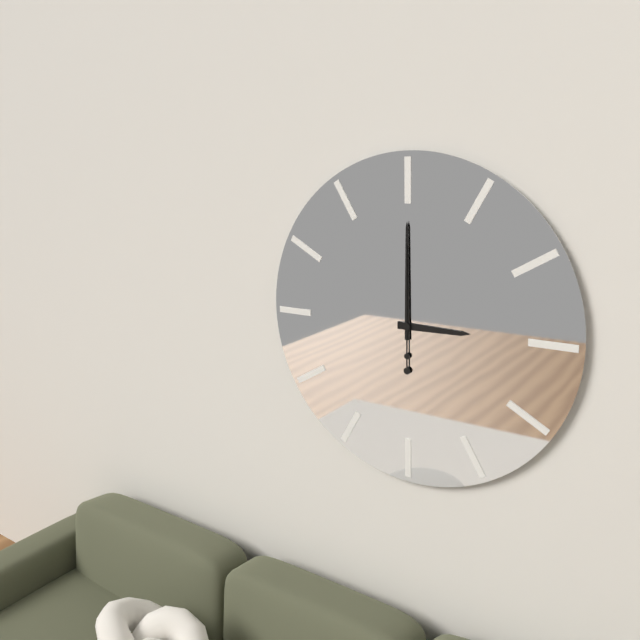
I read 3.00.00
